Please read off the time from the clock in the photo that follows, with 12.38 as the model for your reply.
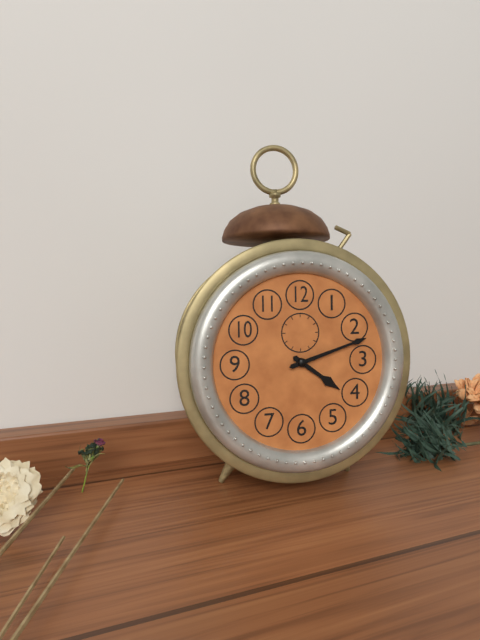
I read 4.12
